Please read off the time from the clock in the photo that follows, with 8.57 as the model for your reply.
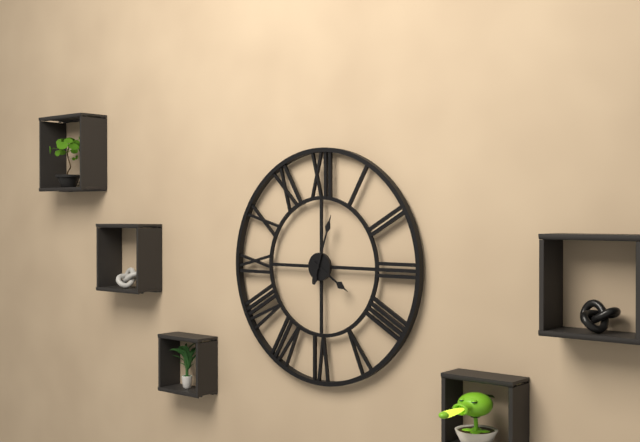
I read 4.03
